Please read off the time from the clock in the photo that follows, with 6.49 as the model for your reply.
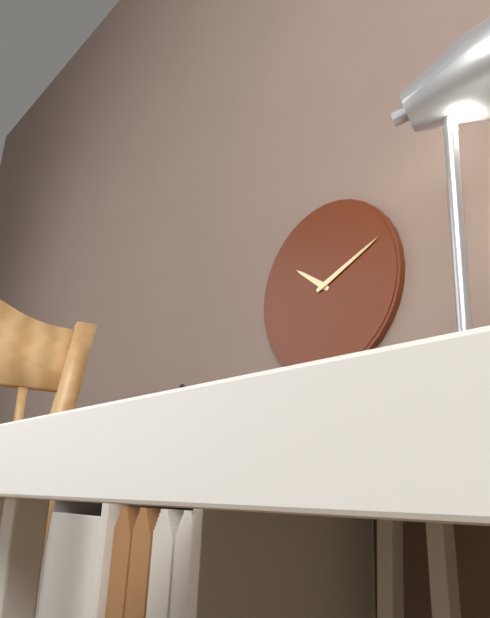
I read 10.11
